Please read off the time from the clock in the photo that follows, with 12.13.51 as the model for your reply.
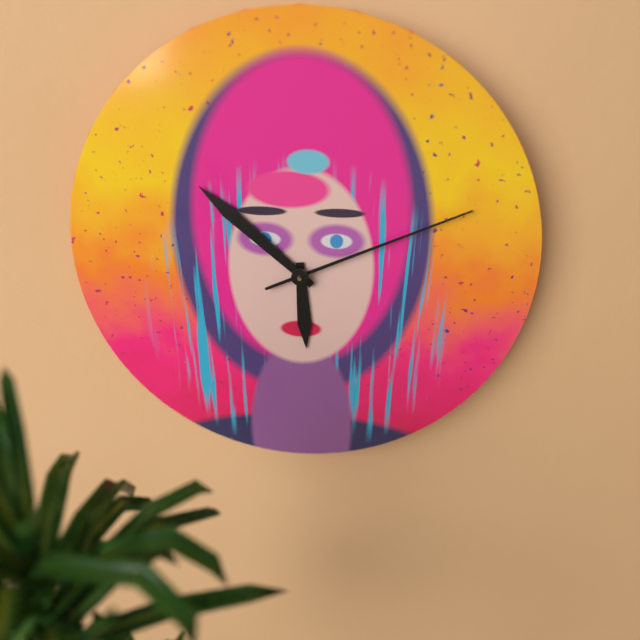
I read 5.52.11
